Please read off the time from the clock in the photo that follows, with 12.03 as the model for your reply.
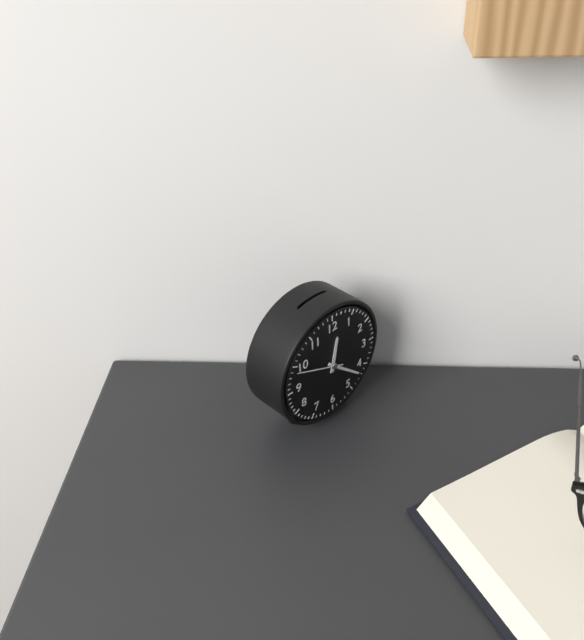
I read 12.22
